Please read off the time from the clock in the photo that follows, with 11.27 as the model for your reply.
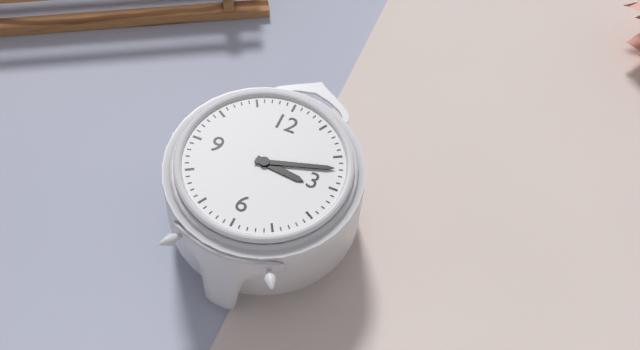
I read 3.12
